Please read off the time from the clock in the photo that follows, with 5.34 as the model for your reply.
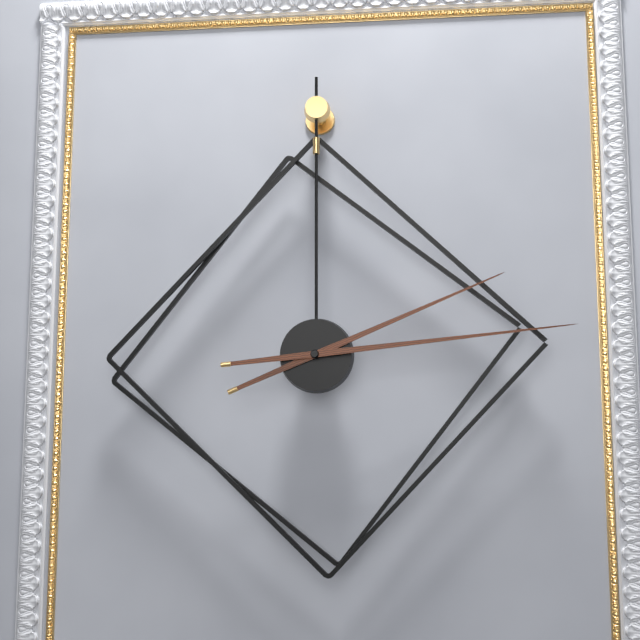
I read 2.14
